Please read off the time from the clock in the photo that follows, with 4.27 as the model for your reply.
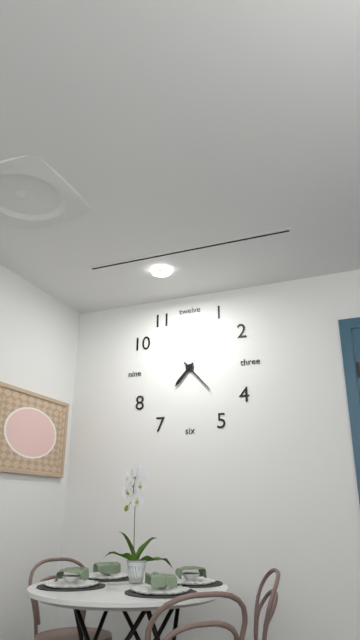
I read 7.23
